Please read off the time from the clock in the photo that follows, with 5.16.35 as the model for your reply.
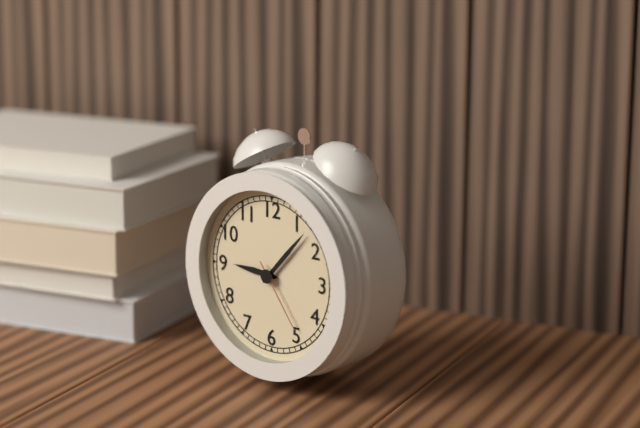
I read 9.07.24
